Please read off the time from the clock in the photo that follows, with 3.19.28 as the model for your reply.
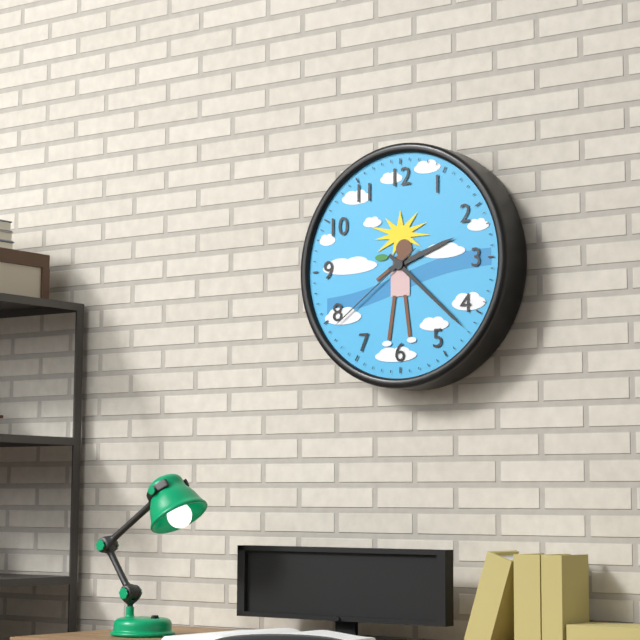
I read 2.22.39
